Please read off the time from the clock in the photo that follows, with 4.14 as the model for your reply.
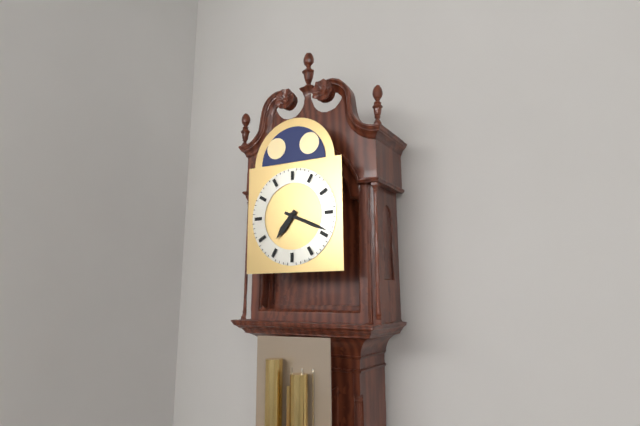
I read 7.19
